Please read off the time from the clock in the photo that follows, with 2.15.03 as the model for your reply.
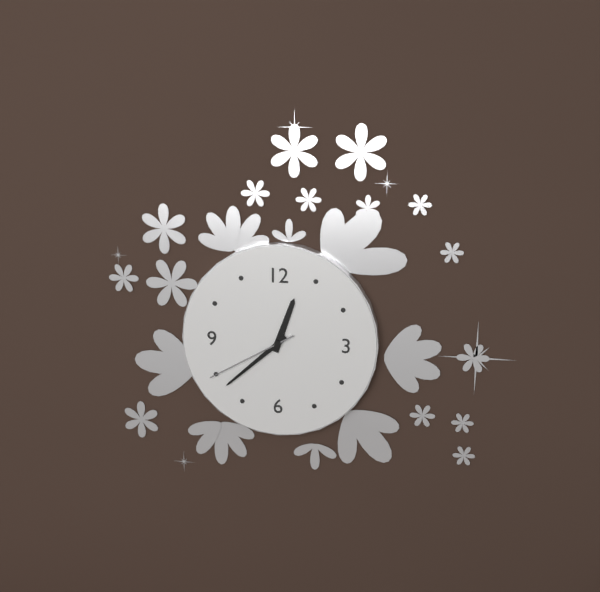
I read 12.38.40
